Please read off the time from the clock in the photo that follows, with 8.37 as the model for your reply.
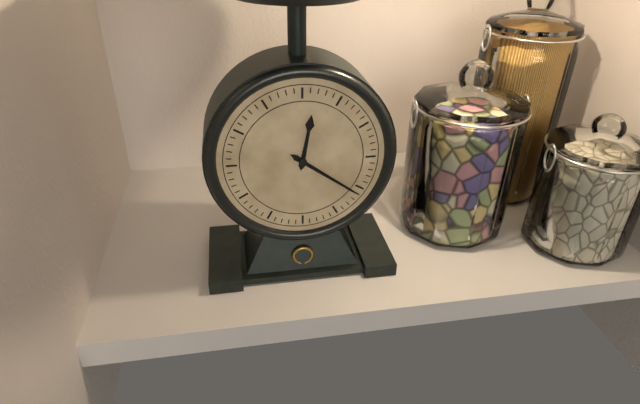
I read 12.21
